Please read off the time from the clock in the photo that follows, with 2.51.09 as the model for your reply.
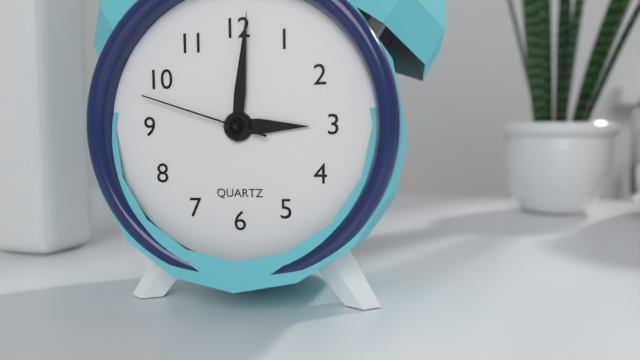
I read 3.01.48
